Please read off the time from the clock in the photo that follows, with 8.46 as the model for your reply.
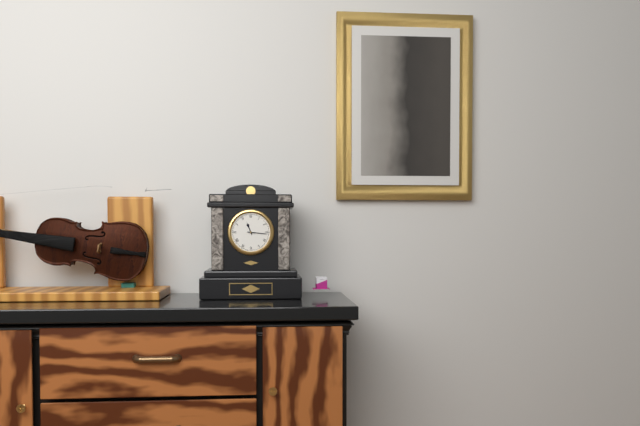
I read 11.16
